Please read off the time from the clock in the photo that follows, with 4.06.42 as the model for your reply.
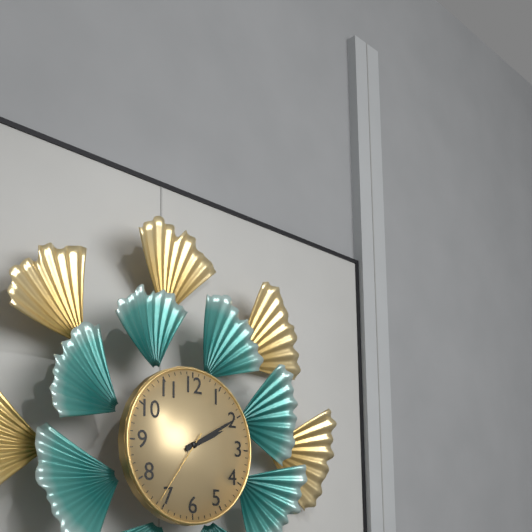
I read 2.10.36
